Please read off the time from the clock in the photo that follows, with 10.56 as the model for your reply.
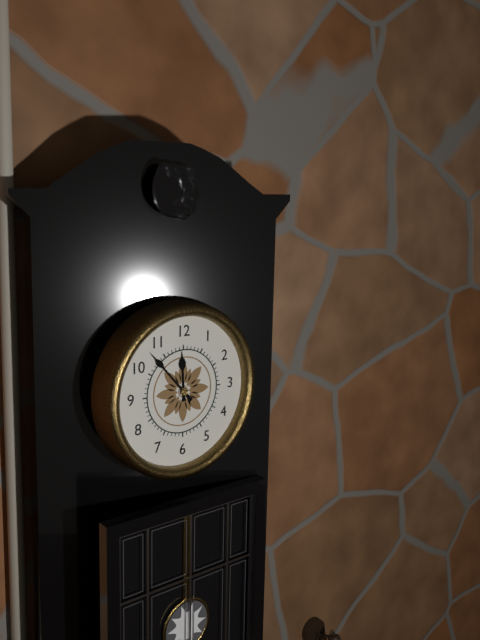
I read 11.53
